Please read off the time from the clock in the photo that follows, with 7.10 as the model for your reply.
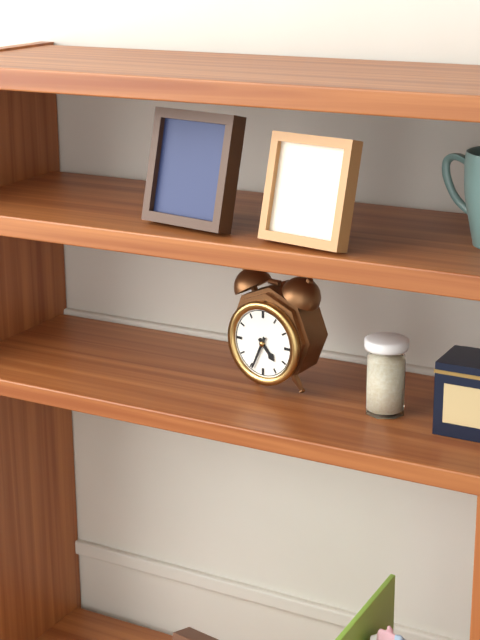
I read 4.34
